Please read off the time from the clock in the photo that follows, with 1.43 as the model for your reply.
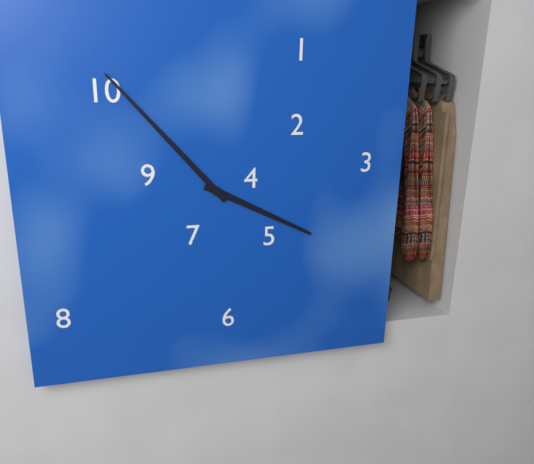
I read 3.53
